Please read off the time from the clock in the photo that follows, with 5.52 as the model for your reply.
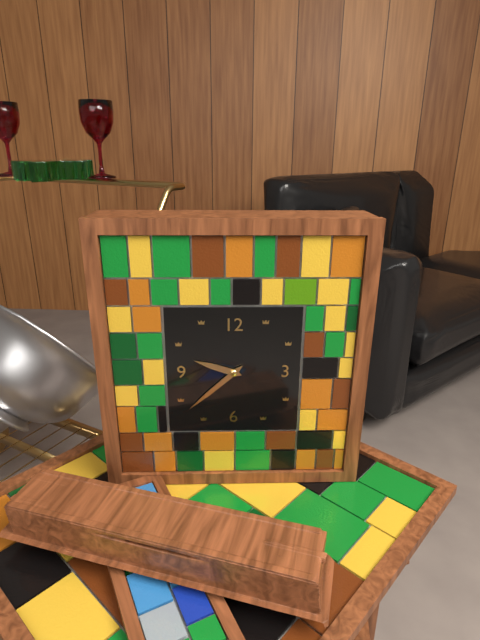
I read 9.38
